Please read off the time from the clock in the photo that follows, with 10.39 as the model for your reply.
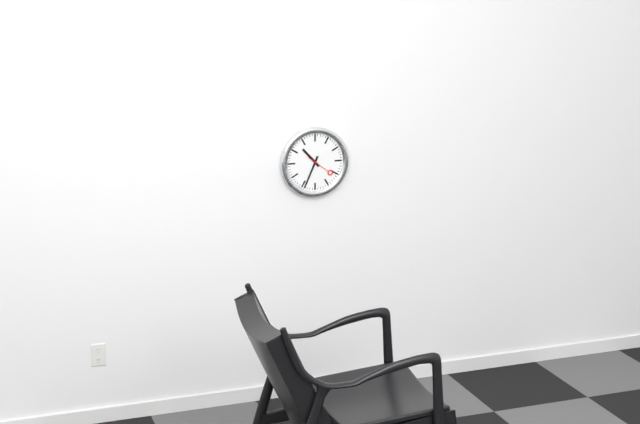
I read 10.34
